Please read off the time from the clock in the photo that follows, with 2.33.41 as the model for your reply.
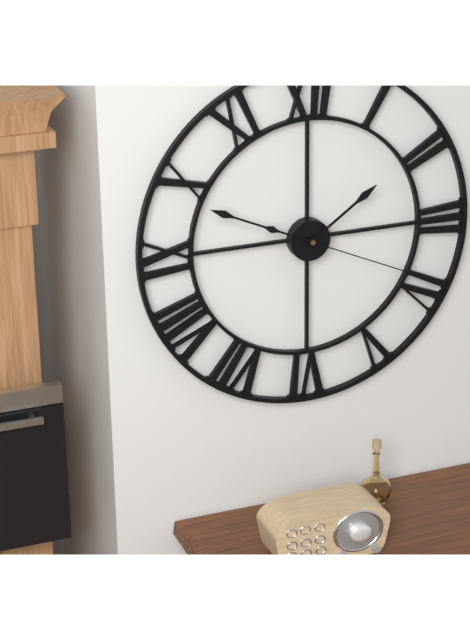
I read 1.49.19
